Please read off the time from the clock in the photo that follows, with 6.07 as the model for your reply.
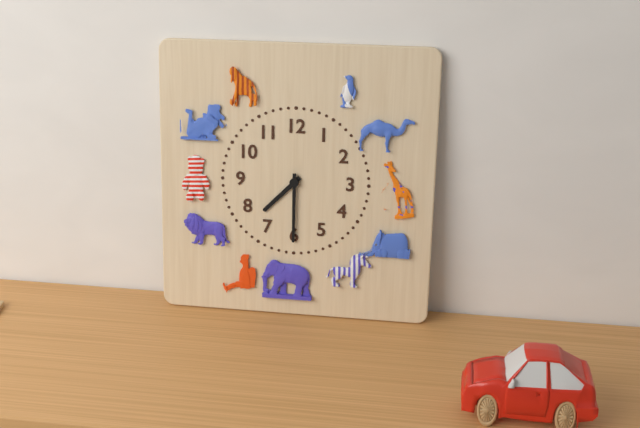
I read 7.30
